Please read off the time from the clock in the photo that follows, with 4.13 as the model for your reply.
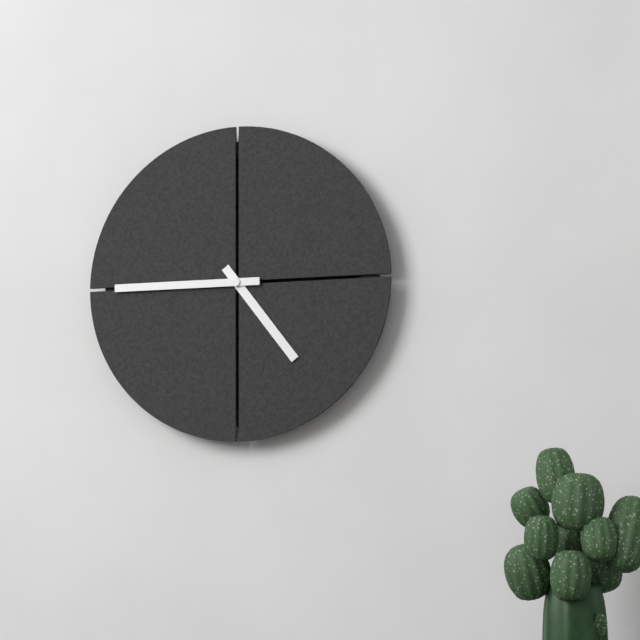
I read 4.45
